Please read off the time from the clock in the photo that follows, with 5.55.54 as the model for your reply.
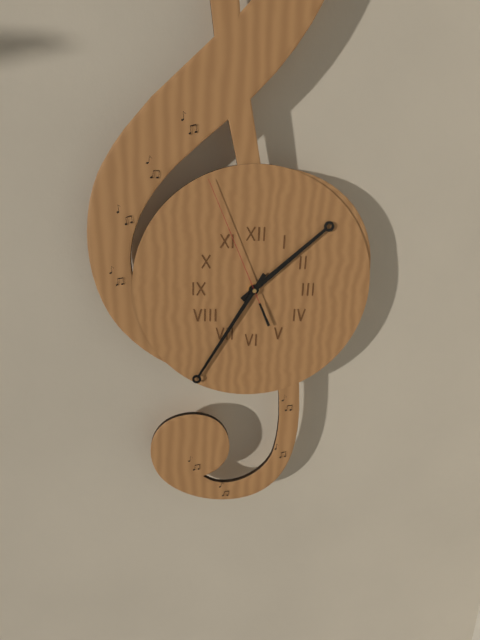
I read 1.35.56
